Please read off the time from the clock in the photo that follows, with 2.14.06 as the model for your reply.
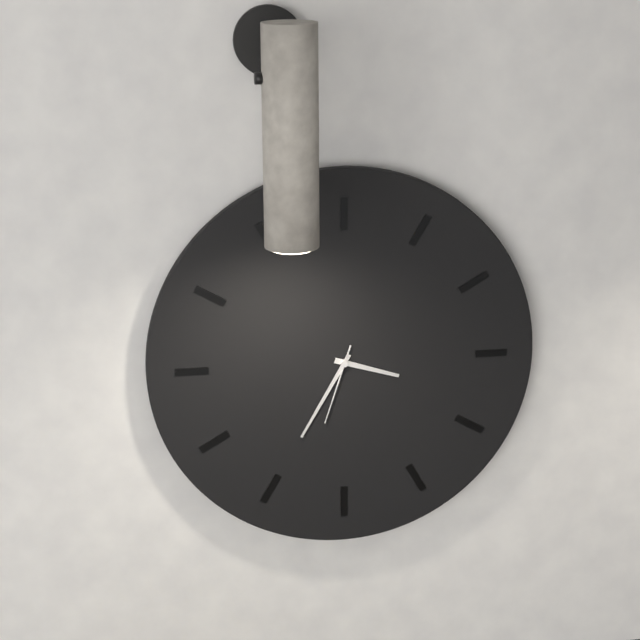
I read 3.35.33
